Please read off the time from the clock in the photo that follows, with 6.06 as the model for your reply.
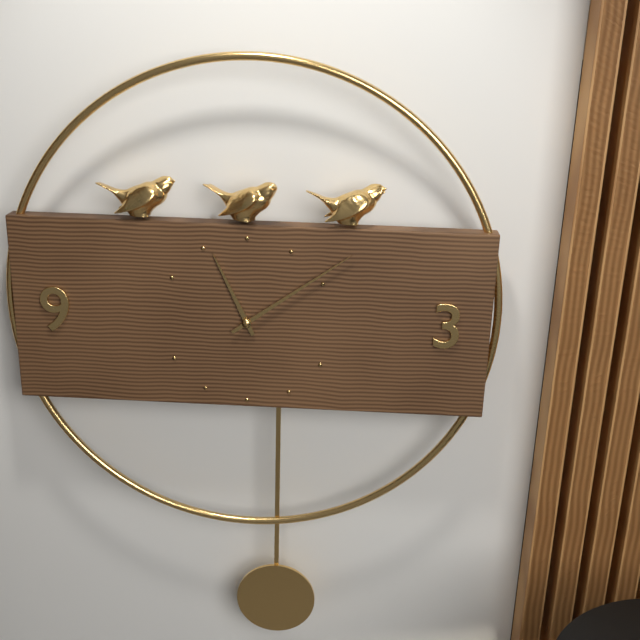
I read 11.09
